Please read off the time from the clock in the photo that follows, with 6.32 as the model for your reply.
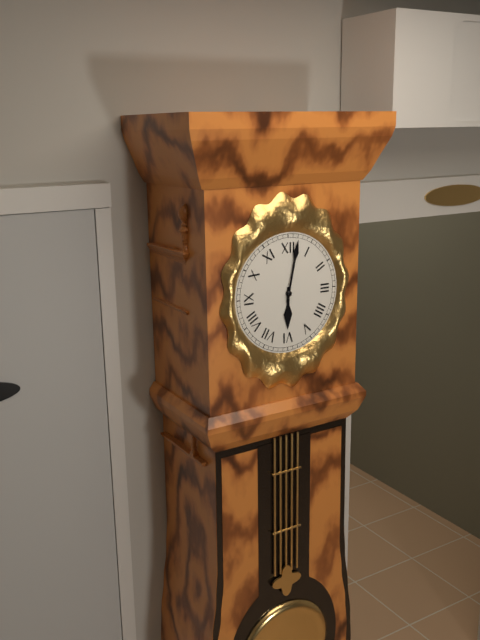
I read 6.02
